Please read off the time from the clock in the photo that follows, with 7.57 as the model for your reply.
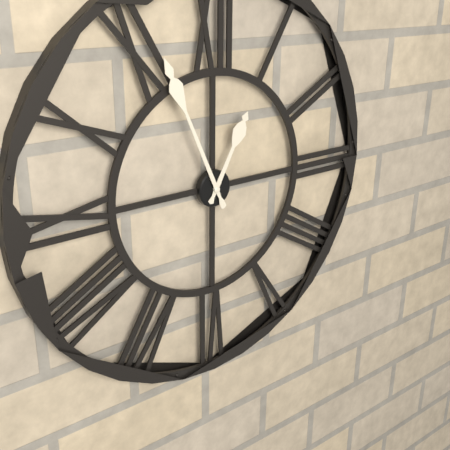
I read 12.56
